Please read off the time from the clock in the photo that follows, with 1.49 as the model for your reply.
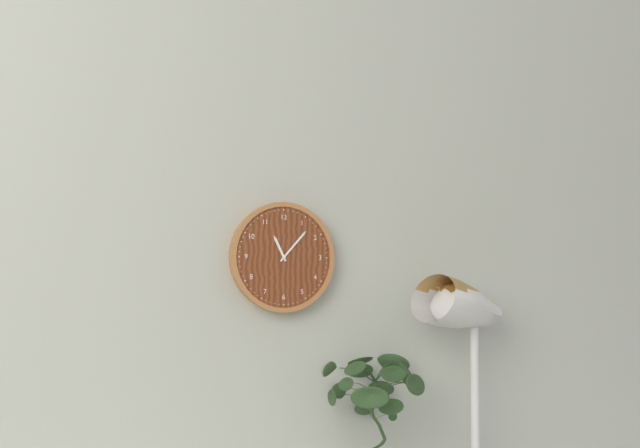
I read 11.07
